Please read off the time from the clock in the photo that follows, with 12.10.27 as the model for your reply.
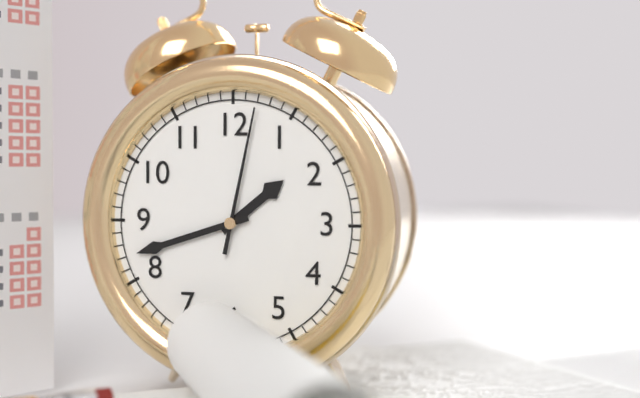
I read 1.42.02
